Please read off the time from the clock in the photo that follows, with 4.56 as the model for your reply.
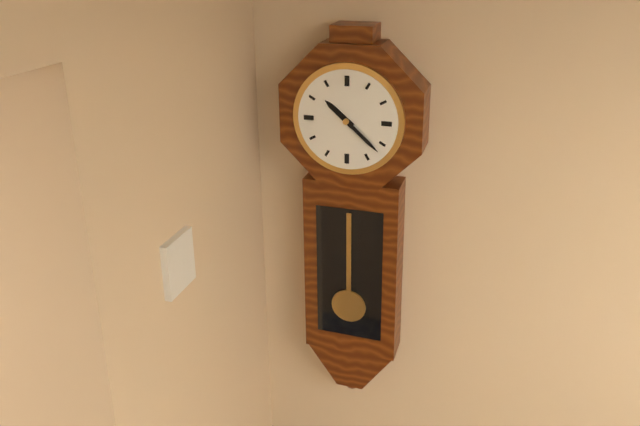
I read 10.22
